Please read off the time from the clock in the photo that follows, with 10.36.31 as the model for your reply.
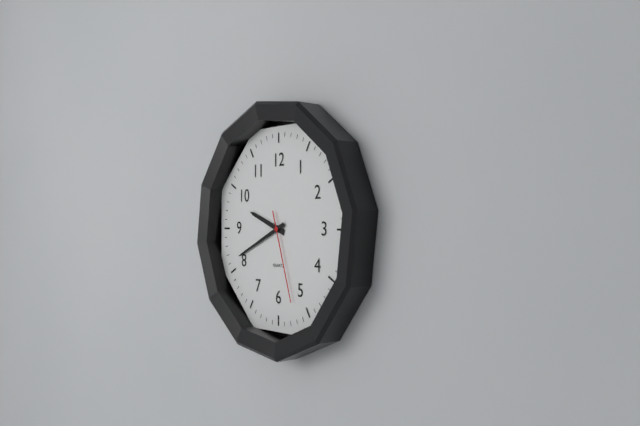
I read 9.41.27
